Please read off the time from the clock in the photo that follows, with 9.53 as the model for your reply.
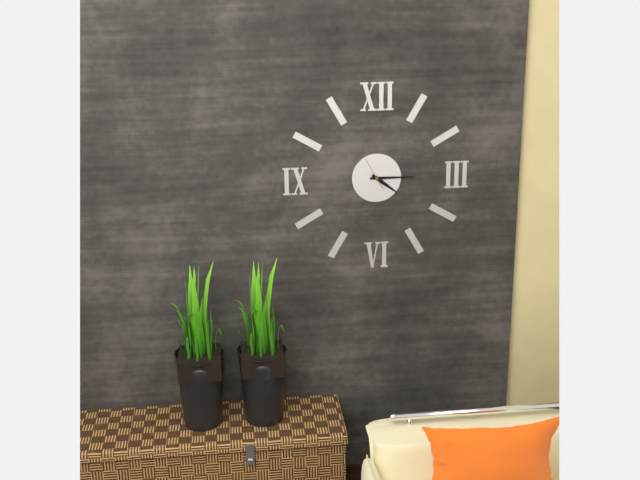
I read 4.15
